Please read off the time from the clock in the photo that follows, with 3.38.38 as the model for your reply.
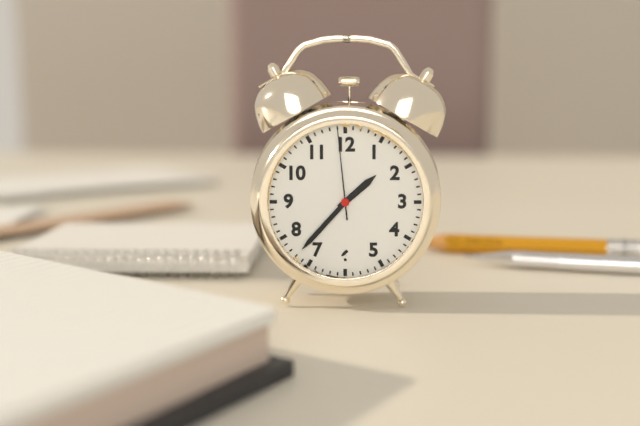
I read 1.37.59
